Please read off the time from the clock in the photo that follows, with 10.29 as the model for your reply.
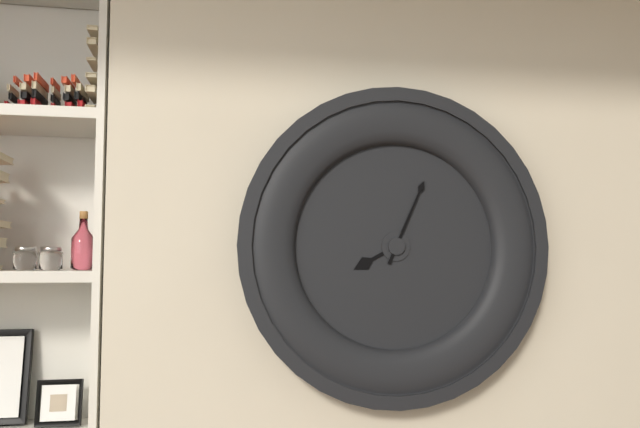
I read 8.04
